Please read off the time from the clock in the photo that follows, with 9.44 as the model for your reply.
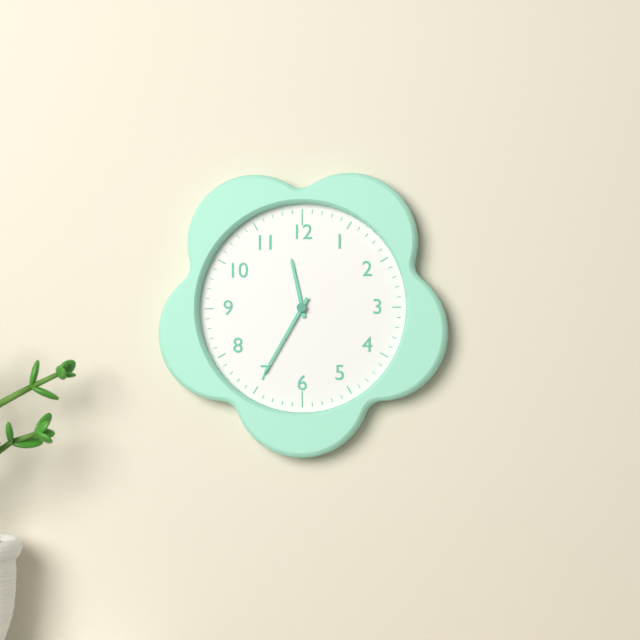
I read 11.35
